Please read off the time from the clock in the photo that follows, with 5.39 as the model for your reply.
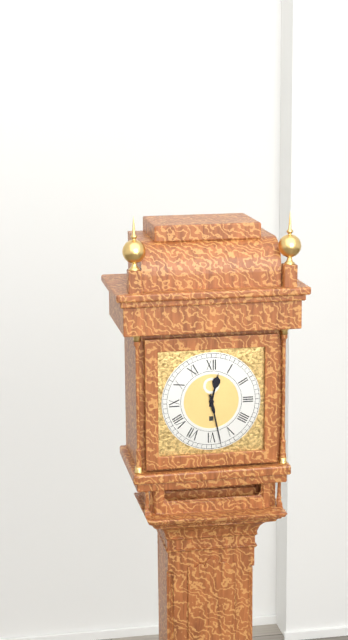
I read 12.28
